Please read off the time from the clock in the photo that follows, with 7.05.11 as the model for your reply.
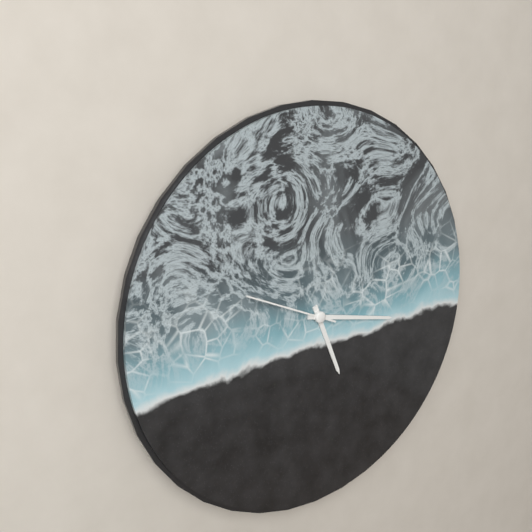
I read 5.17.49
